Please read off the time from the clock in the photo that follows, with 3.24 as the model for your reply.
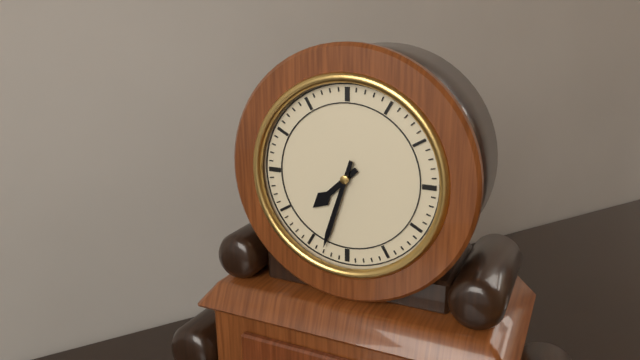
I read 7.33
